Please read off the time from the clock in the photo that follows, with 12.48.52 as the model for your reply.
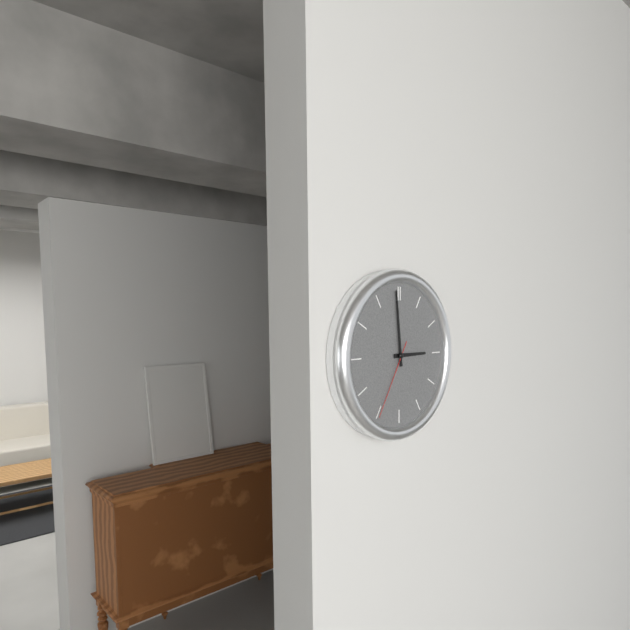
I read 2.59.35
